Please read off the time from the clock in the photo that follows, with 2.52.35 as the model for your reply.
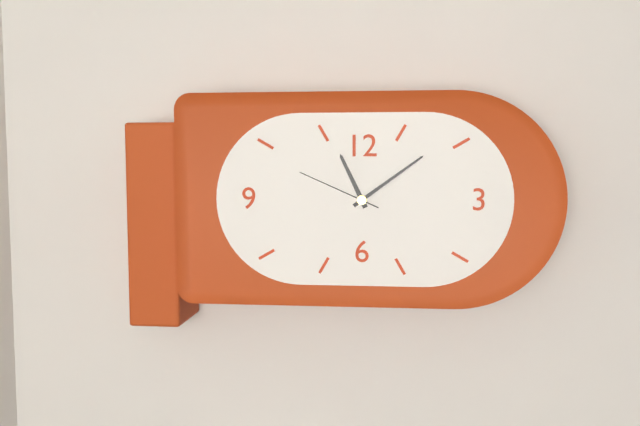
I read 11.09.49
